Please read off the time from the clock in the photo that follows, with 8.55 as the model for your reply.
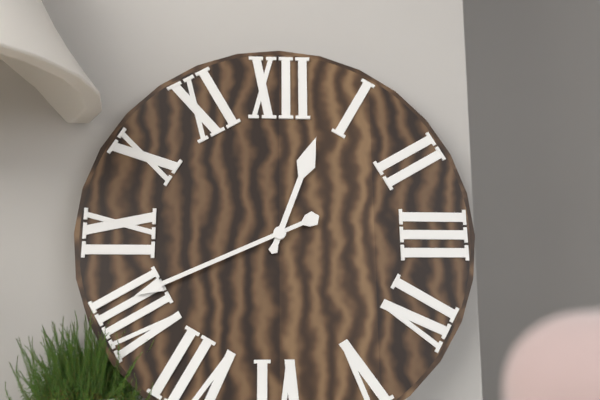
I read 12.41
